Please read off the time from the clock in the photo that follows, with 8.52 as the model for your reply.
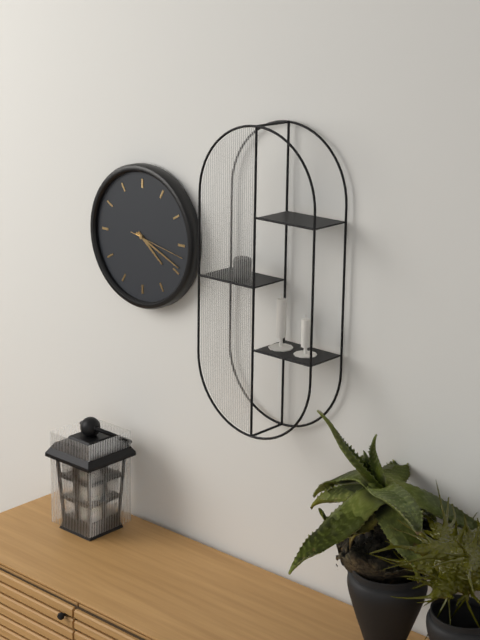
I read 4.19
